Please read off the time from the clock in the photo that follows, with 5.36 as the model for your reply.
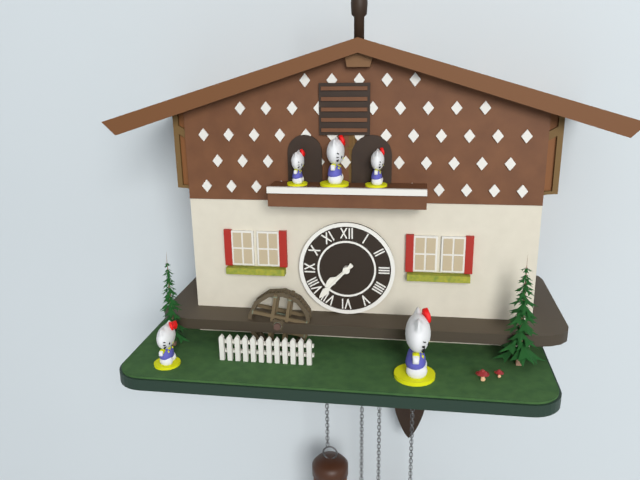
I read 7.37
